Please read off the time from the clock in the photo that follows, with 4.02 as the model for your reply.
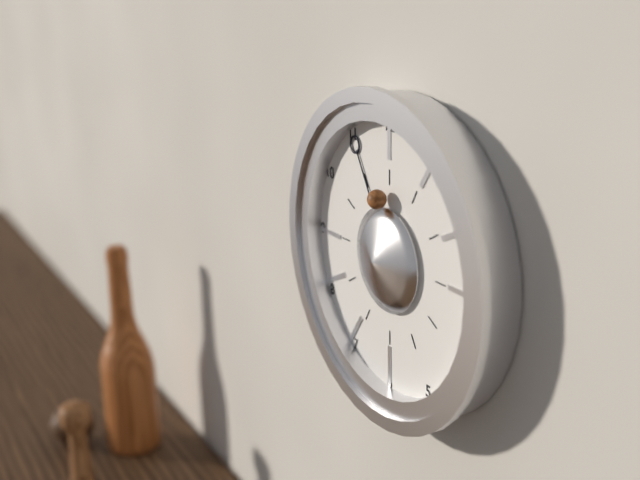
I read 11.55
